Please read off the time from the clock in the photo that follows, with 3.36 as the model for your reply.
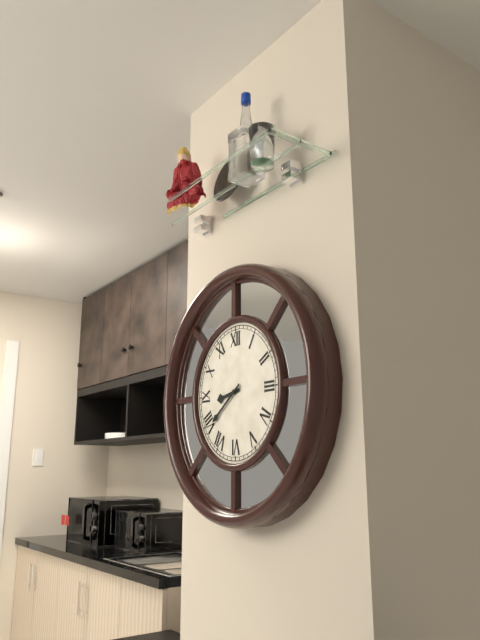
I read 8.39
